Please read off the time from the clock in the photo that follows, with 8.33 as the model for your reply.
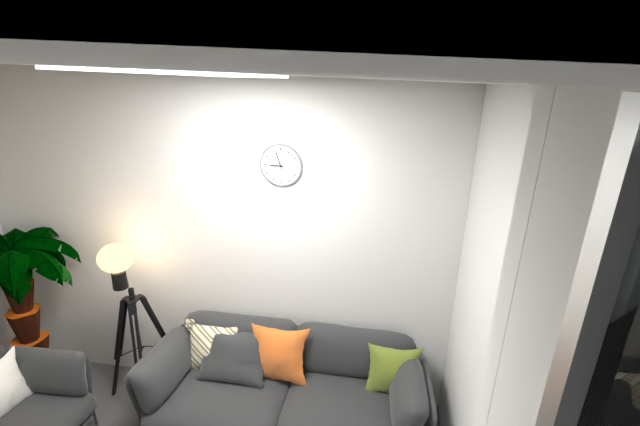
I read 8.57
